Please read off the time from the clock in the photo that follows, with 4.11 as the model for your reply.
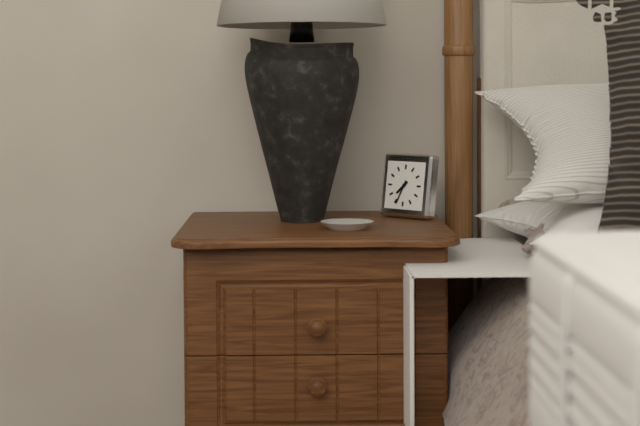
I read 7.34
